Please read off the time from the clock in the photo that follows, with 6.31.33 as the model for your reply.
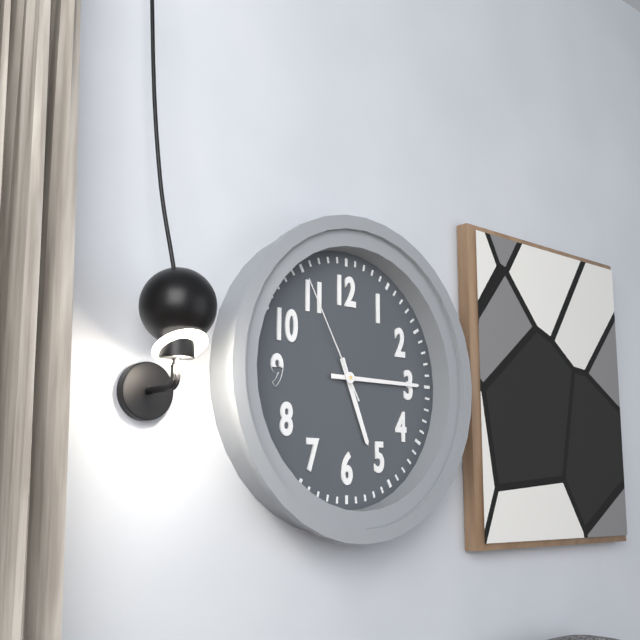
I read 5.15.55
